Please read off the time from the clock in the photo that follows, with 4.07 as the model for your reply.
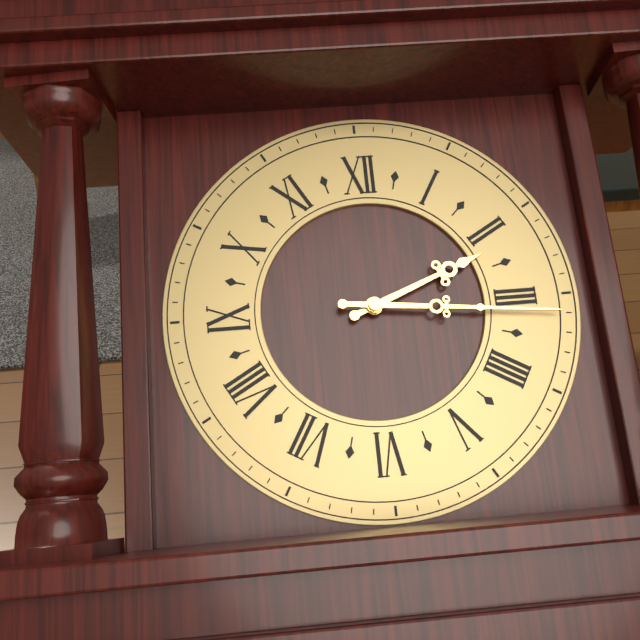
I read 2.16
